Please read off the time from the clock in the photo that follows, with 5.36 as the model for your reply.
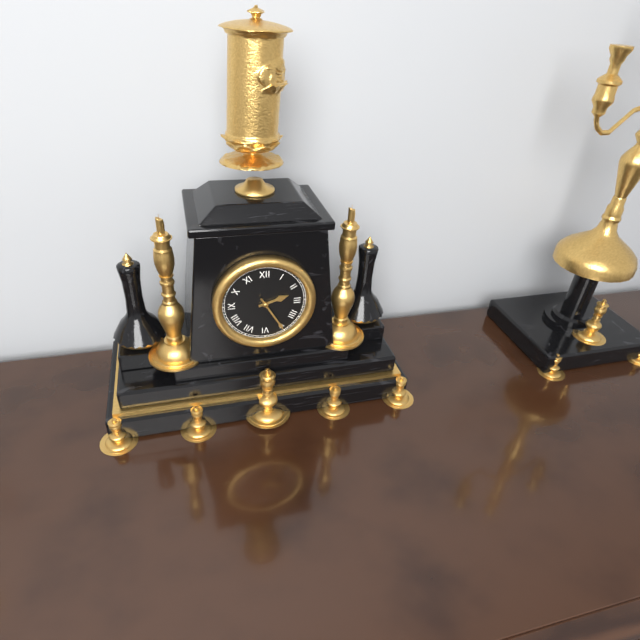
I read 2.25
